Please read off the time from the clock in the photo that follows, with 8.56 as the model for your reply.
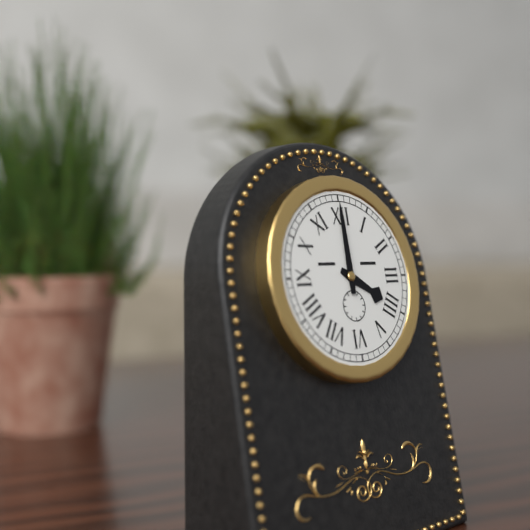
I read 4.00
